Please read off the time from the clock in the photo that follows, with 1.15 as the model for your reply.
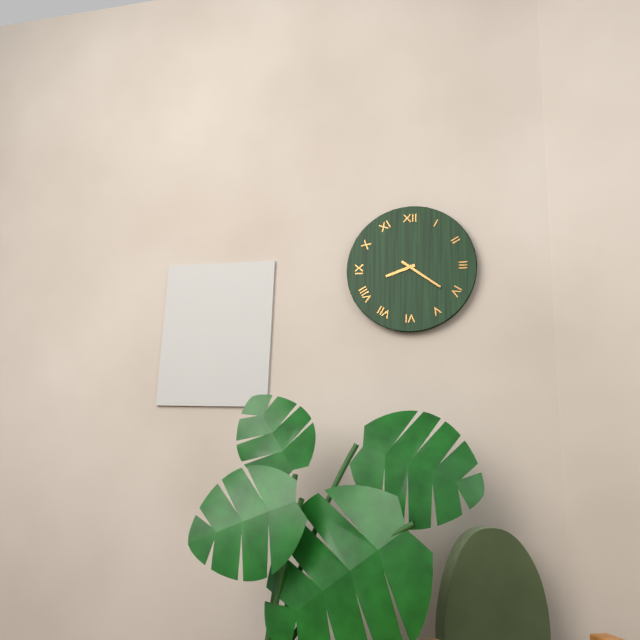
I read 8.21
